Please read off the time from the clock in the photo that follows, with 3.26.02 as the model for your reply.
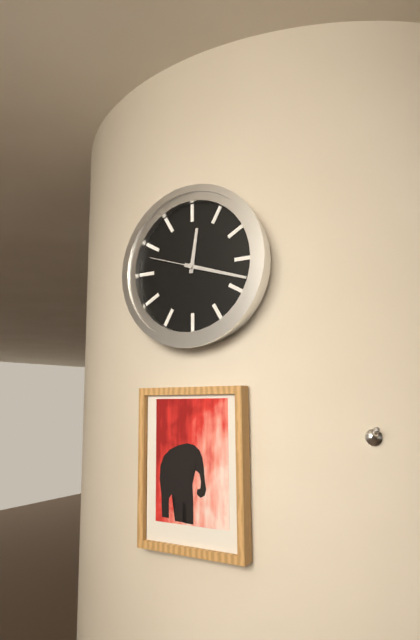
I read 12.18.48
